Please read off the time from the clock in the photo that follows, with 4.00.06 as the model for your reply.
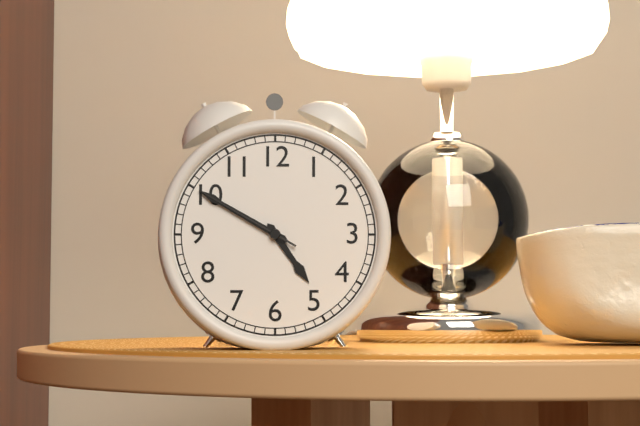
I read 4.50.50
